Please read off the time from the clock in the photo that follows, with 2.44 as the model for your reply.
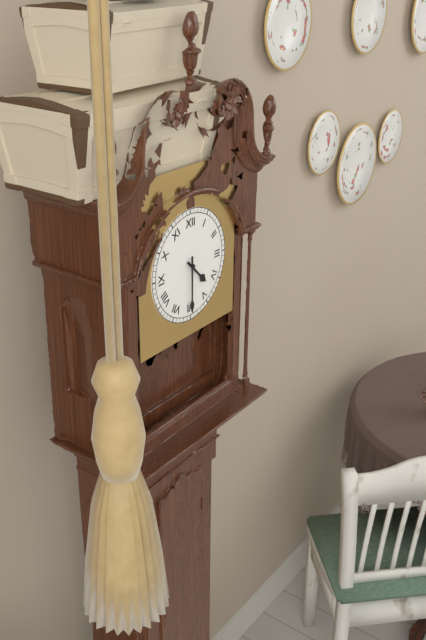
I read 4.30
